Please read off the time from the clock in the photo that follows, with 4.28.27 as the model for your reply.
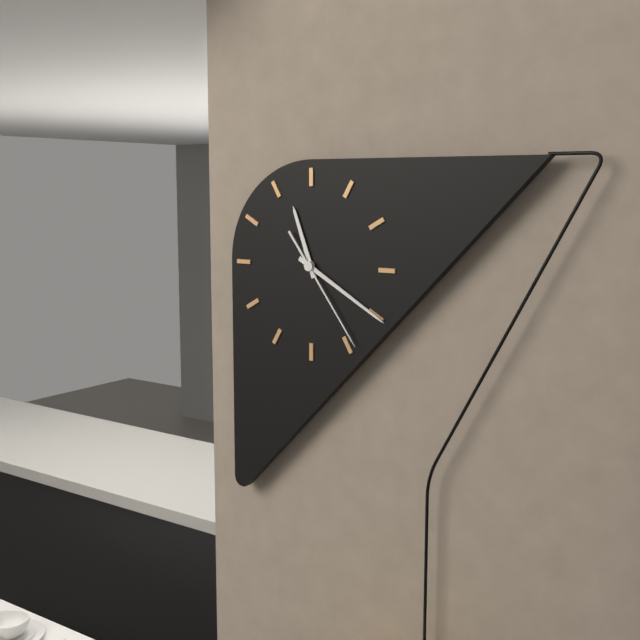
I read 11.20.24
